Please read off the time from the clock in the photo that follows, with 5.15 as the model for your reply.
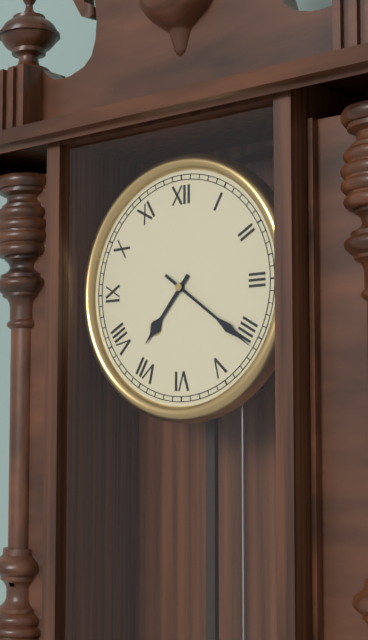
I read 7.21
